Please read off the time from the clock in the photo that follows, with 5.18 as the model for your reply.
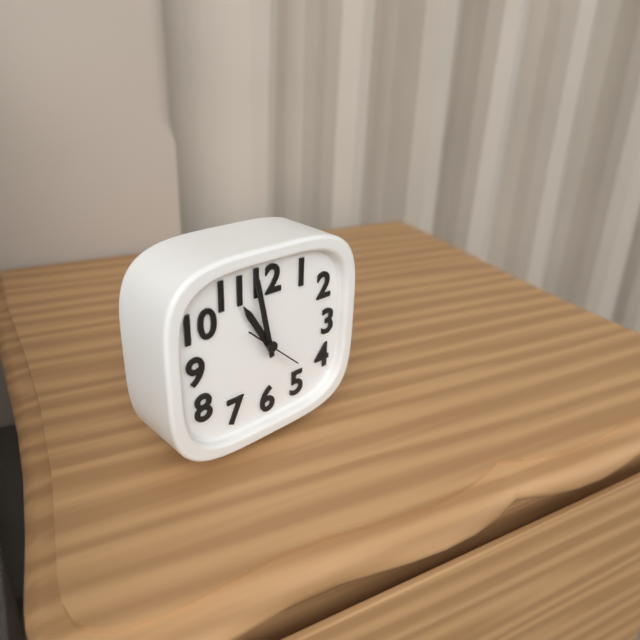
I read 10.58
